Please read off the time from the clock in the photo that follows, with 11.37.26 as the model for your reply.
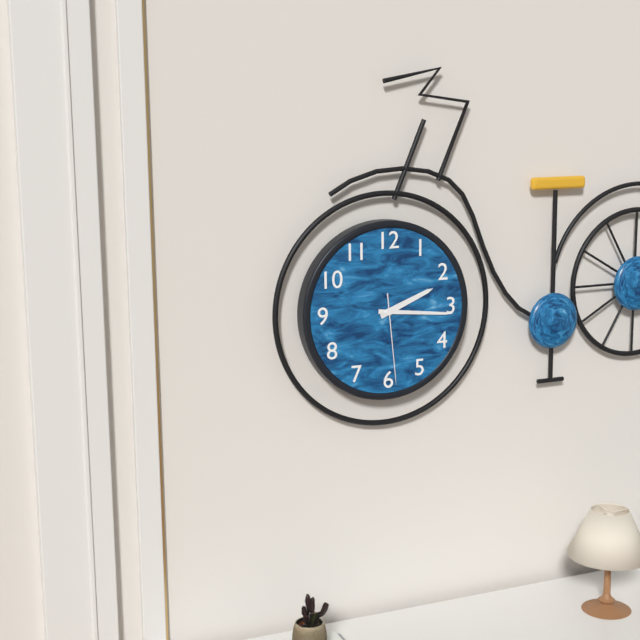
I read 2.16.29
